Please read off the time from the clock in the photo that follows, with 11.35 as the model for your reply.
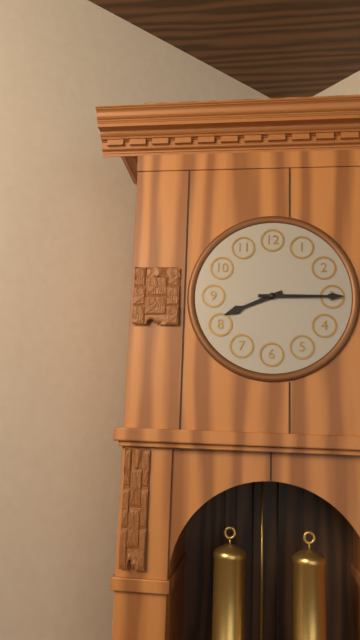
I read 8.15
